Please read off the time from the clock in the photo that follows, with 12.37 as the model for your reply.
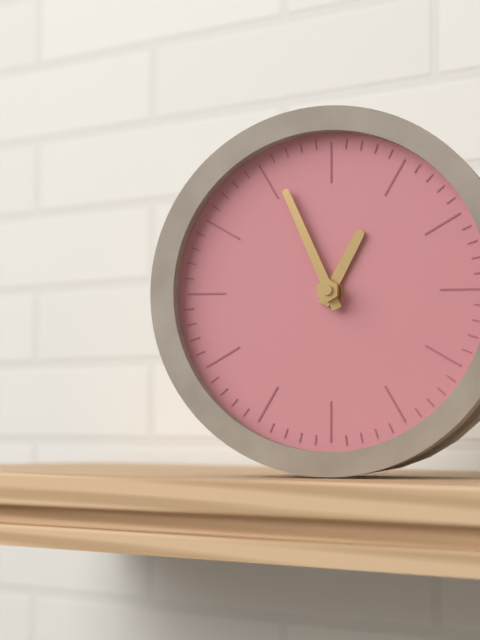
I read 12.56
